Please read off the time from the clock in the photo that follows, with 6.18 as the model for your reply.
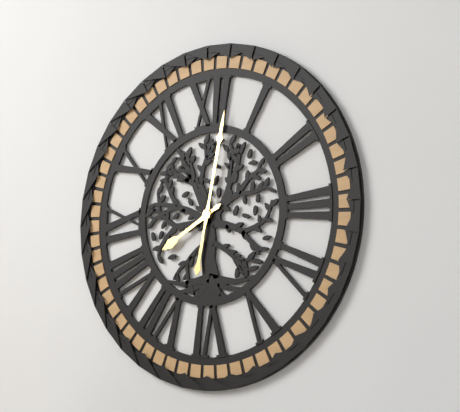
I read 8.02
